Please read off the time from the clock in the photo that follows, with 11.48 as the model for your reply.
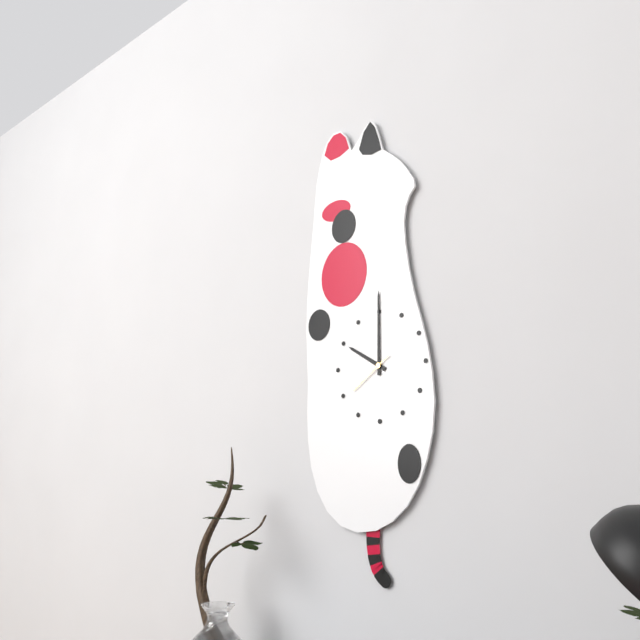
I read 10.00
